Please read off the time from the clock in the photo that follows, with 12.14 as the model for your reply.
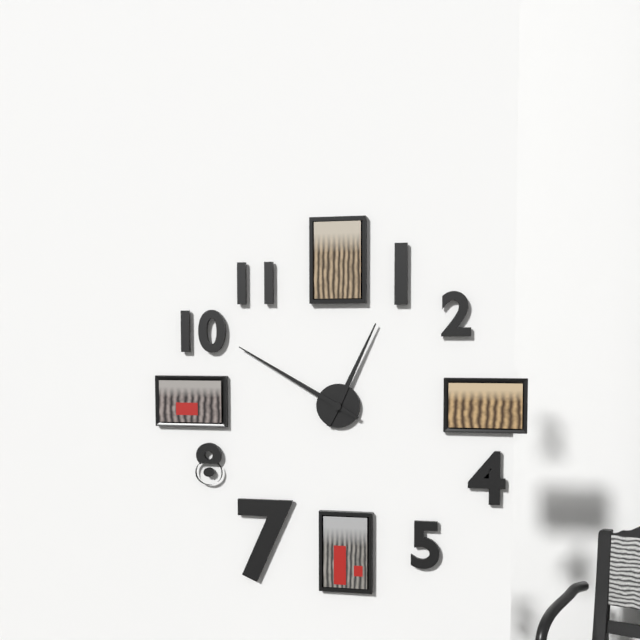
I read 12.50
